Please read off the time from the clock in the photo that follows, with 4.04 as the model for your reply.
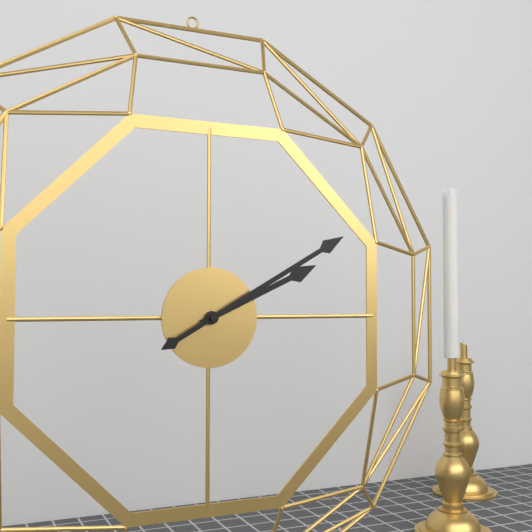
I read 2.10
